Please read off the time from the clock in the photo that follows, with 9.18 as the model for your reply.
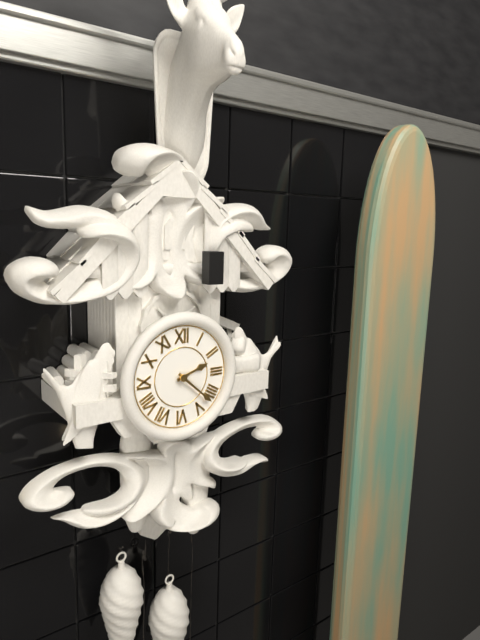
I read 2.22
